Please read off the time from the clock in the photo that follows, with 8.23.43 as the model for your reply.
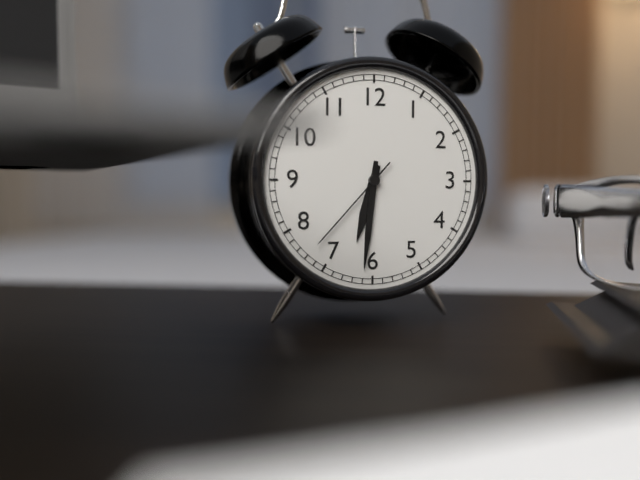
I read 6.31.37
